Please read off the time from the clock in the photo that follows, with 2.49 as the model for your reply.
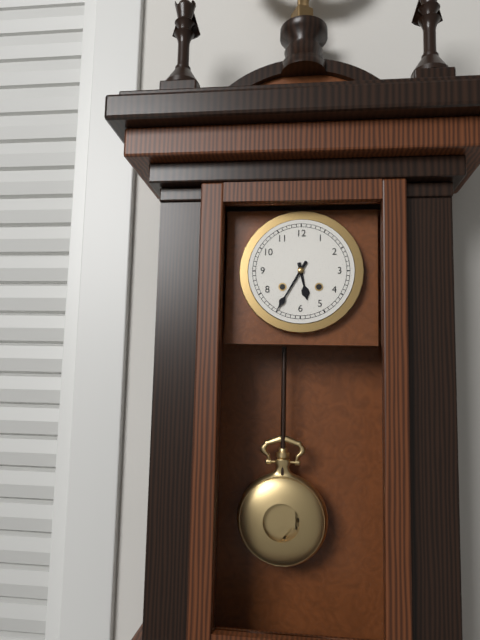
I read 5.35
